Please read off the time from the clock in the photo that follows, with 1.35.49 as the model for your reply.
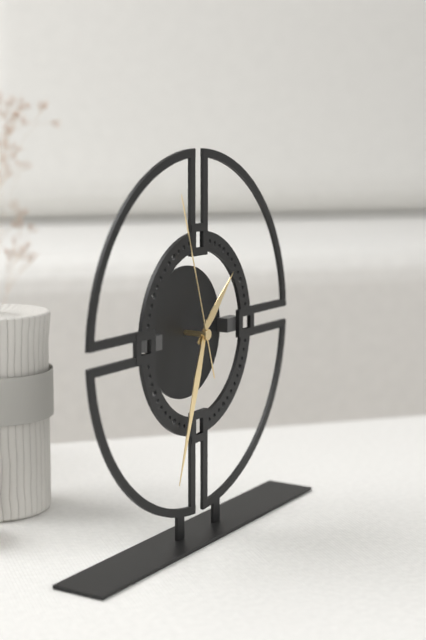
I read 1.33.57
